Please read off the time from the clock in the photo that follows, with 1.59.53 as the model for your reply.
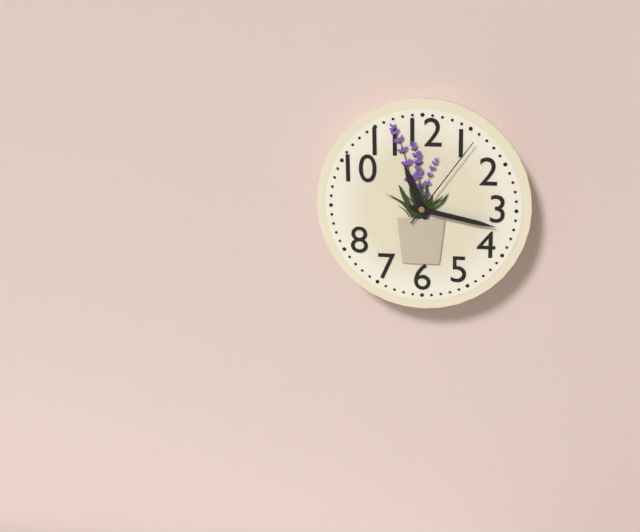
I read 11.17.06
